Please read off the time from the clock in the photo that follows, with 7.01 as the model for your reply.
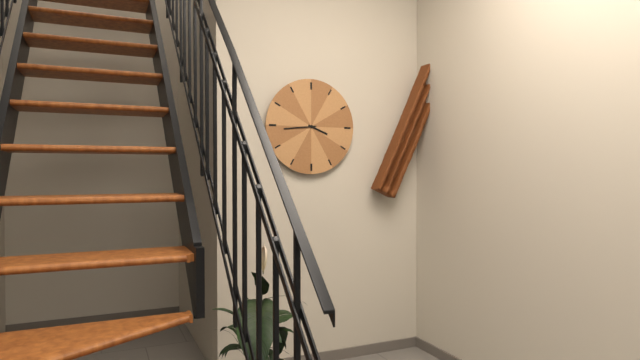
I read 3.44
